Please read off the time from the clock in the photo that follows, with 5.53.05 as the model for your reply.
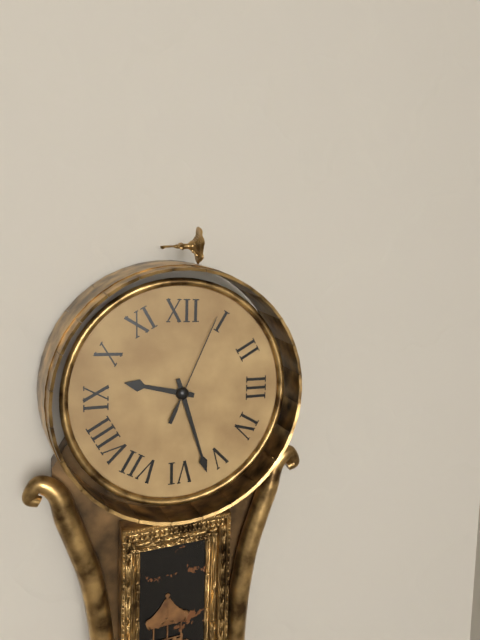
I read 9.27.04
